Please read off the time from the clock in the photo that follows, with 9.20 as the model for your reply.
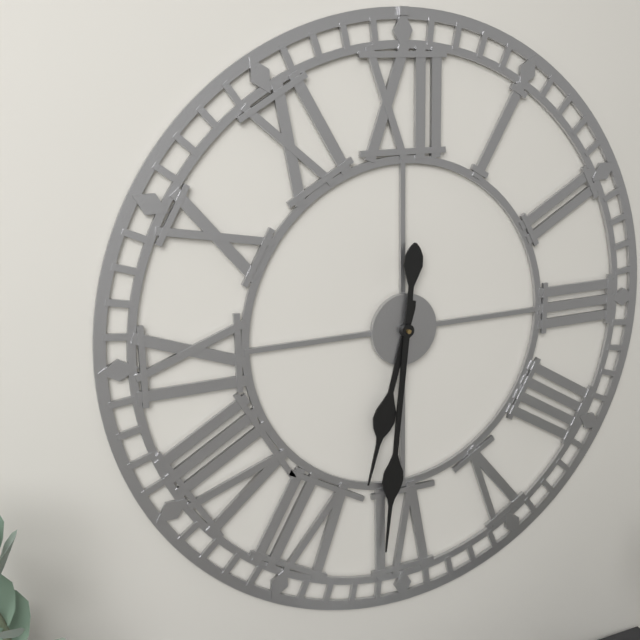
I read 6.31
